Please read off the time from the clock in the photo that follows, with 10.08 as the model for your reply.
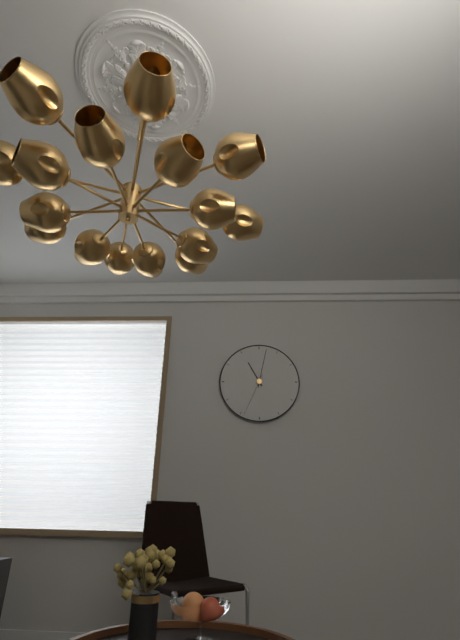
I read 11.02
